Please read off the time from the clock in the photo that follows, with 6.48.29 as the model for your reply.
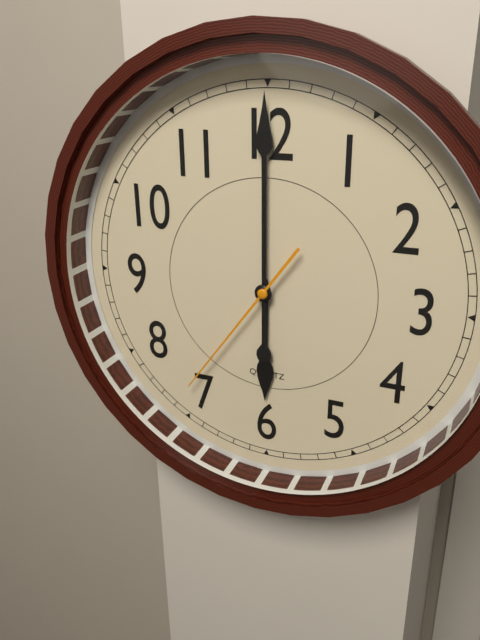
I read 6.00.36
